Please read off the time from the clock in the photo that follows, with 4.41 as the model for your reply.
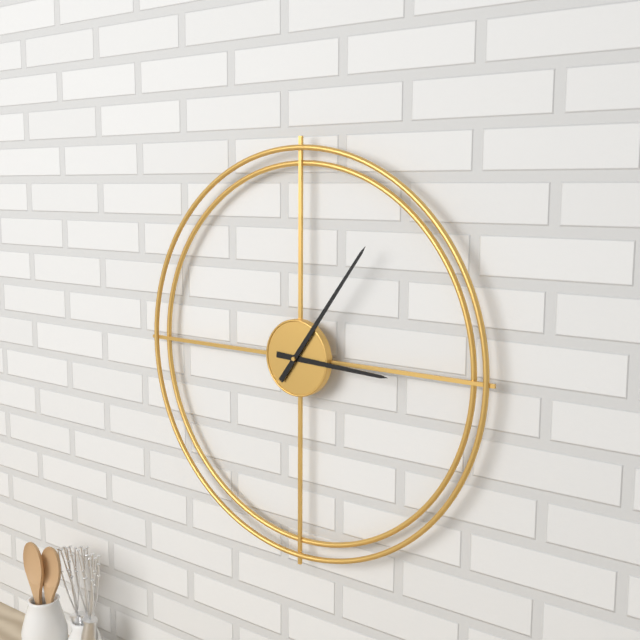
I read 3.06
